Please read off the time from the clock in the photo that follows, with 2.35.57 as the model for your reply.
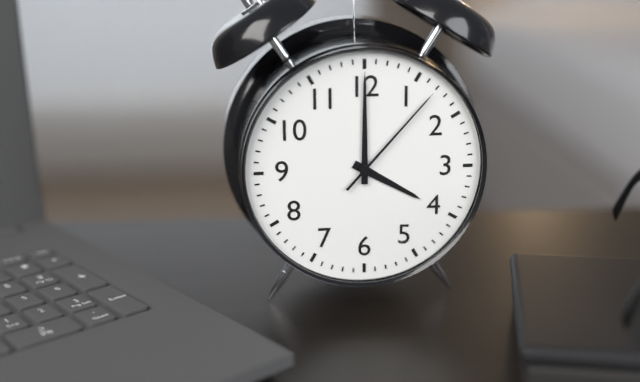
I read 4.00.07
